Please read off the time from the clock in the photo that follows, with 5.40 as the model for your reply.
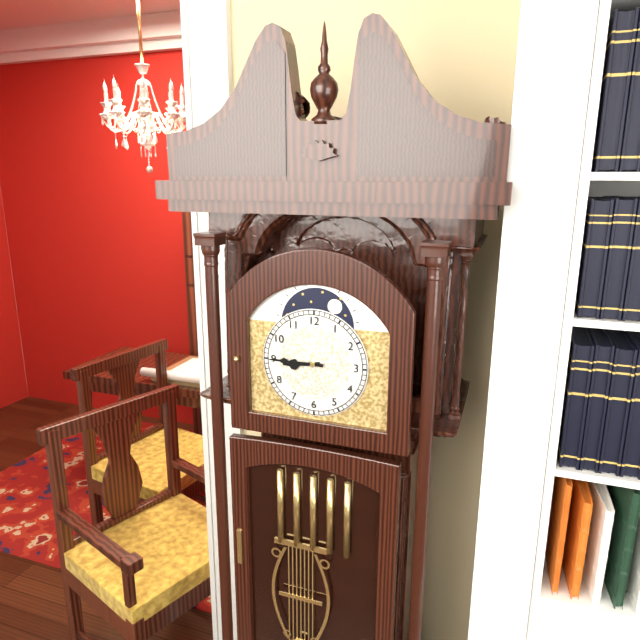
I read 8.45
